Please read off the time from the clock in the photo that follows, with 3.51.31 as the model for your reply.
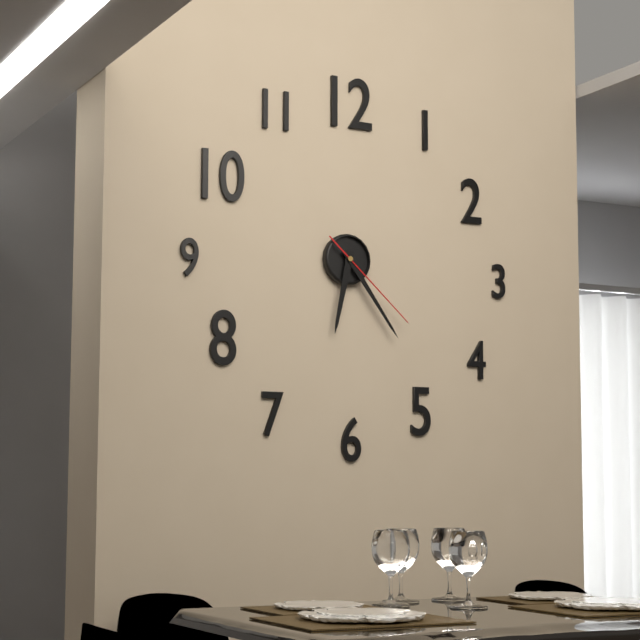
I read 6.24.22
